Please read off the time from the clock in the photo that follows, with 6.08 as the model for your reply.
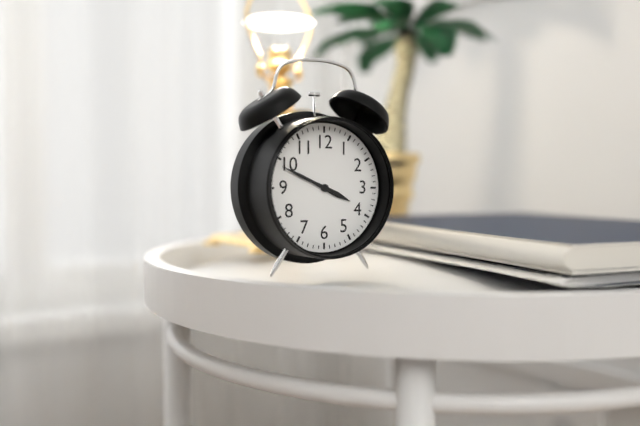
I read 3.49
